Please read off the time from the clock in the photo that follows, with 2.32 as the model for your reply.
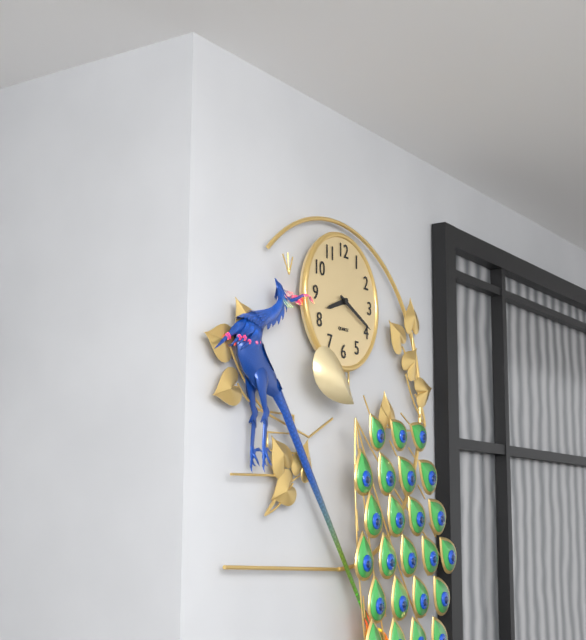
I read 8.19
